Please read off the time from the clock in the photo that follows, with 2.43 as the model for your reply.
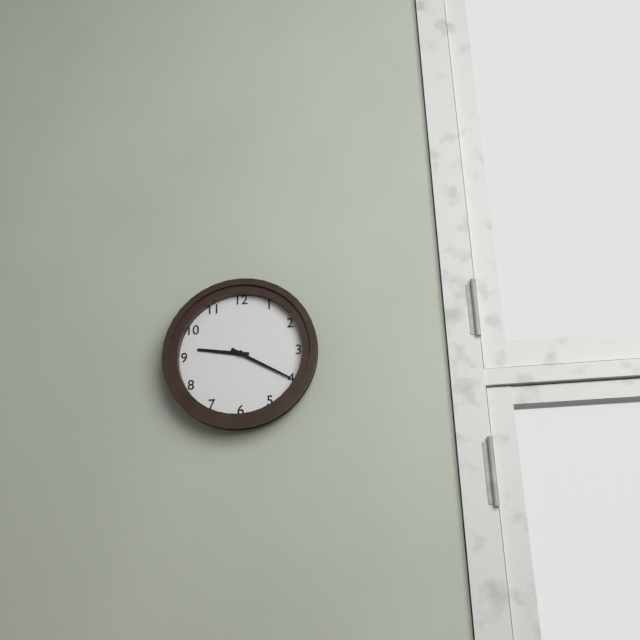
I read 9.20
